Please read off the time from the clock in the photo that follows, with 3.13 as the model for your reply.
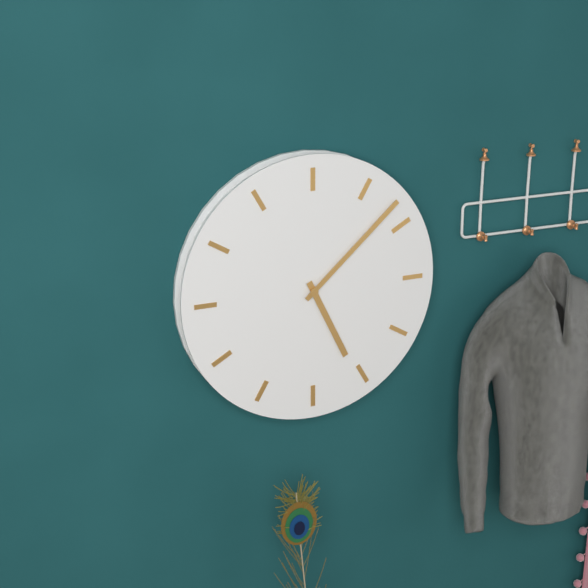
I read 5.08
